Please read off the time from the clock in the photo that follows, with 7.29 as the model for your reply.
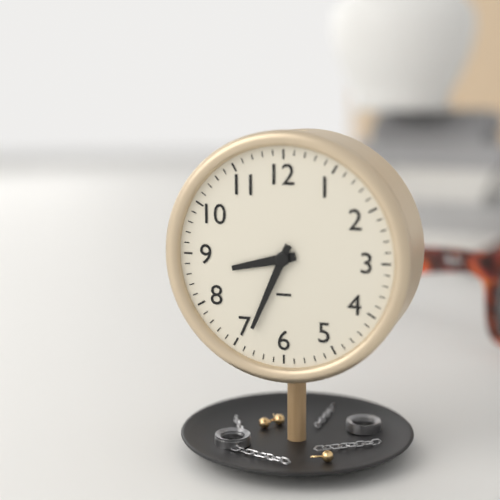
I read 8.34
